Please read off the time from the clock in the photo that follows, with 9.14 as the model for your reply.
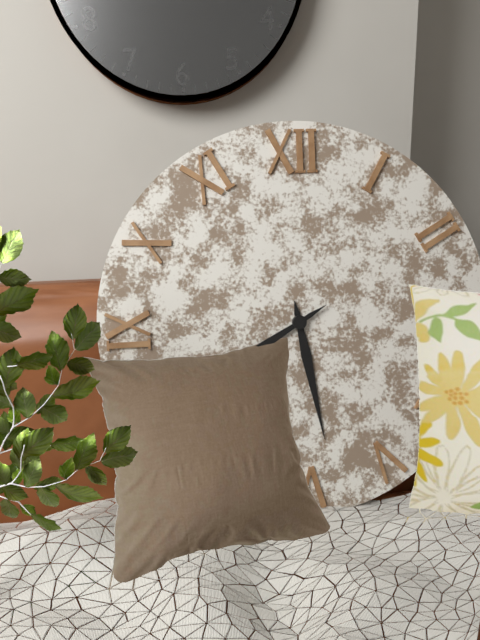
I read 5.40
